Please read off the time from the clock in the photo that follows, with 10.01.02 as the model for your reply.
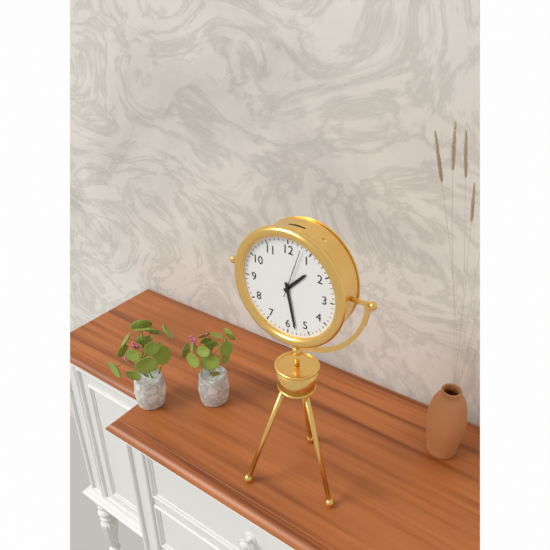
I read 1.28.03
